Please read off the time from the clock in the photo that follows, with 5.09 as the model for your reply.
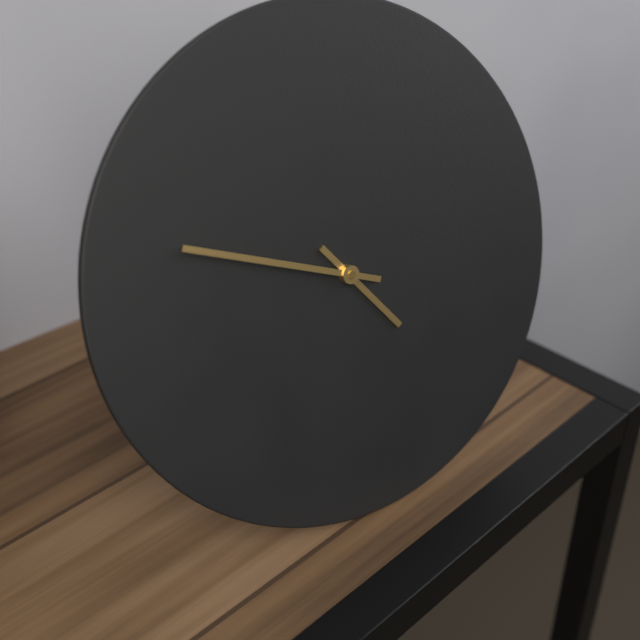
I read 4.49
